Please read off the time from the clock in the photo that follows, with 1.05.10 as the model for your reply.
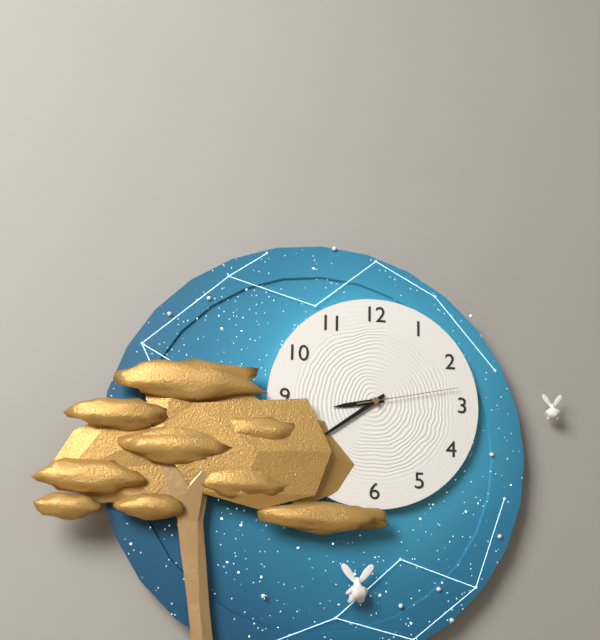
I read 8.39.13
